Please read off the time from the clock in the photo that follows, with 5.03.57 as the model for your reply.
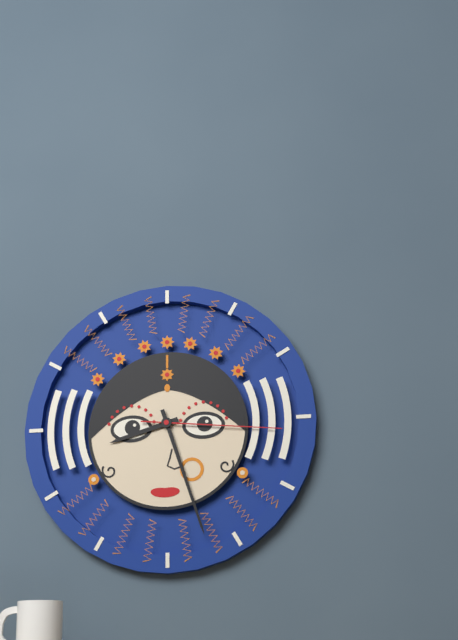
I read 8.27.16
